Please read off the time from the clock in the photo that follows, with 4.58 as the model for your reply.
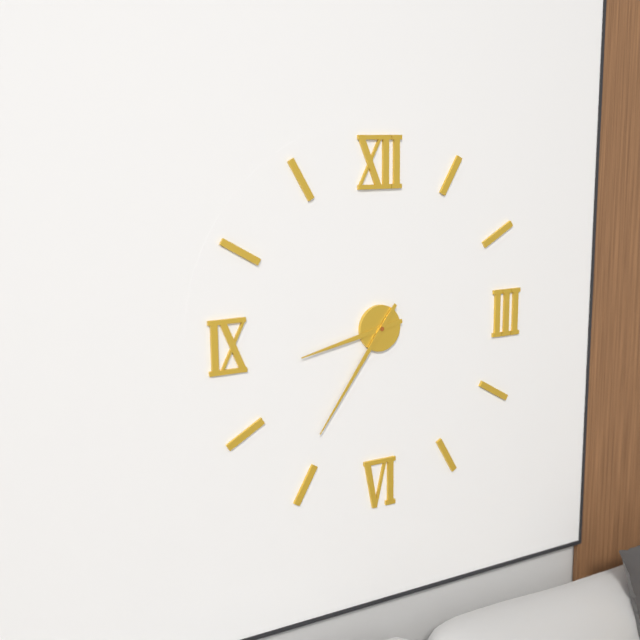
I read 8.36
